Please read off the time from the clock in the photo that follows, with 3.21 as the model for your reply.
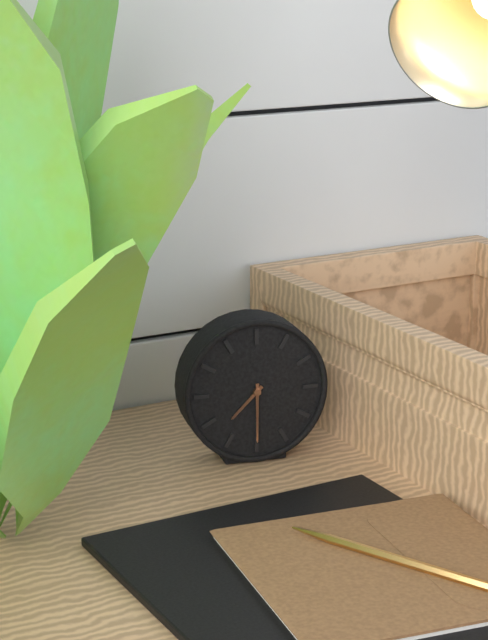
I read 7.30
